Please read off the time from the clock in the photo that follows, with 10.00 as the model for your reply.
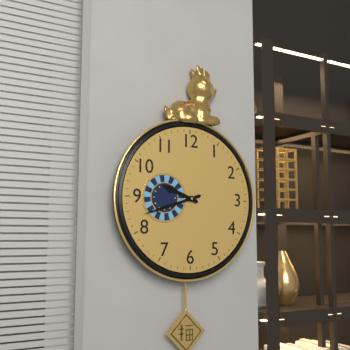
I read 9.42
